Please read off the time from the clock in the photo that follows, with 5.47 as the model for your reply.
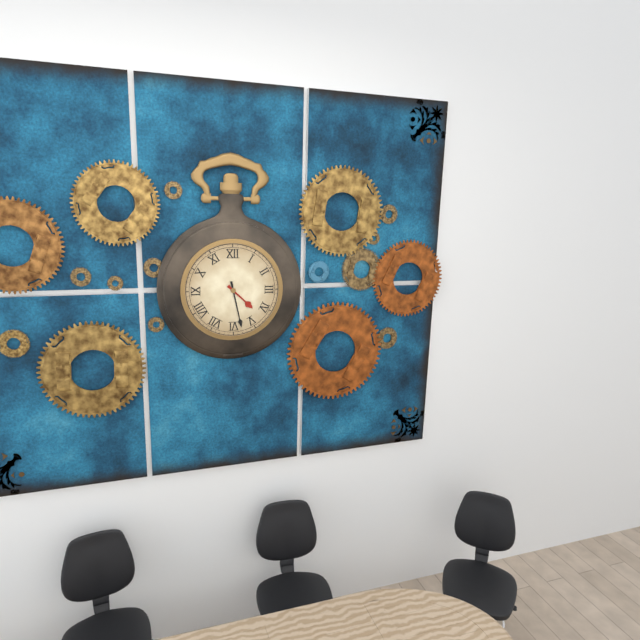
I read 4.28
